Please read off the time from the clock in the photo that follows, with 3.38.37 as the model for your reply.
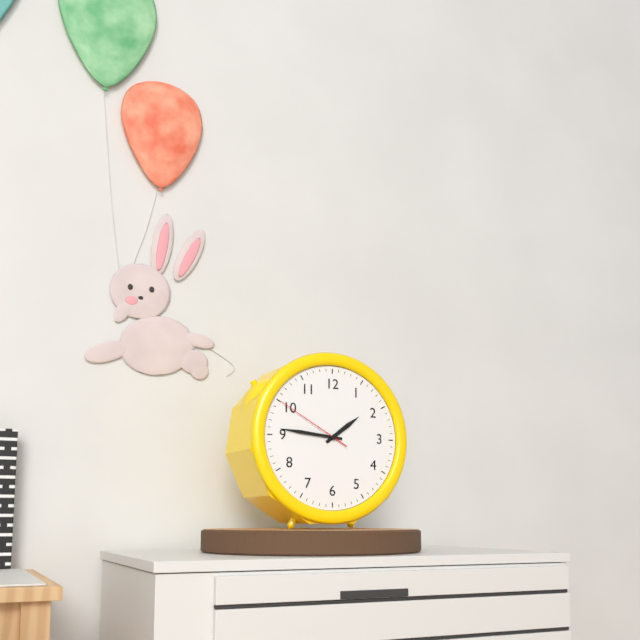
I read 1.46.50
